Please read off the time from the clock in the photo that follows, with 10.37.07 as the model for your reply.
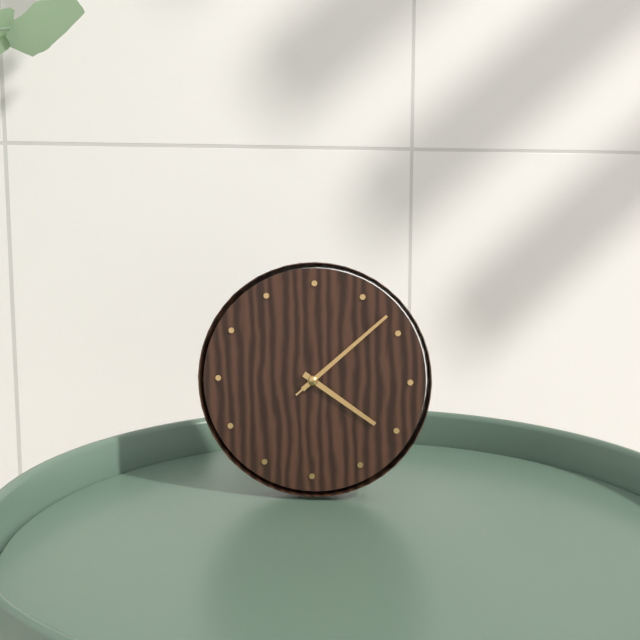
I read 4.08.08
